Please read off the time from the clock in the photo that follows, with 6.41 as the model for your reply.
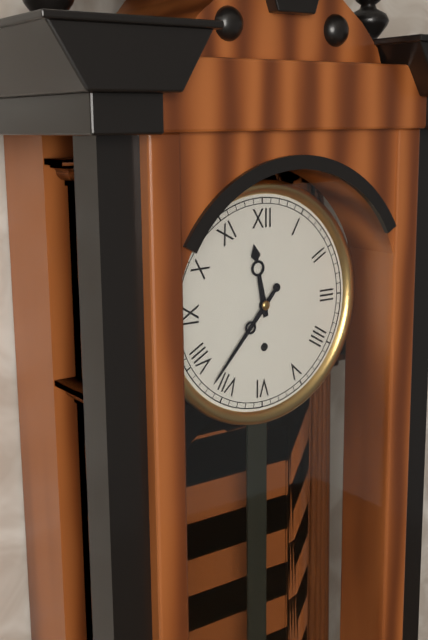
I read 11.37
